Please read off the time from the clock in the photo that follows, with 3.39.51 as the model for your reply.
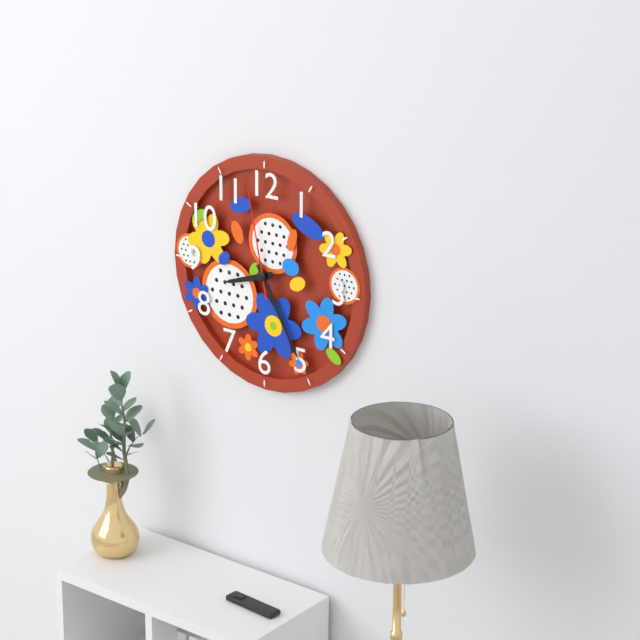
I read 8.25.58
